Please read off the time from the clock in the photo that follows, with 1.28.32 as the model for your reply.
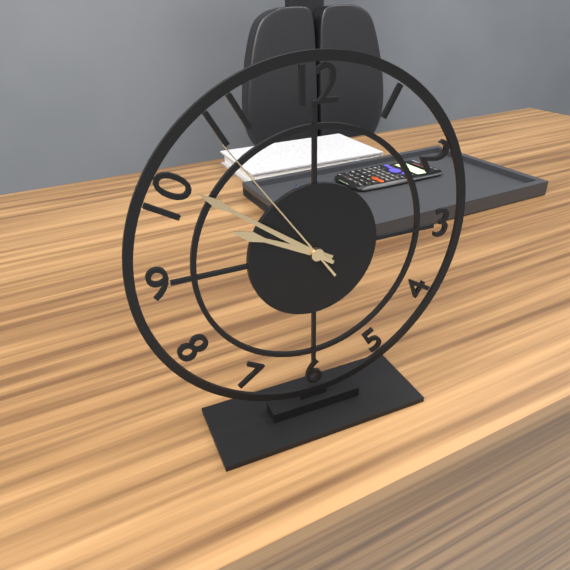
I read 9.51.54
